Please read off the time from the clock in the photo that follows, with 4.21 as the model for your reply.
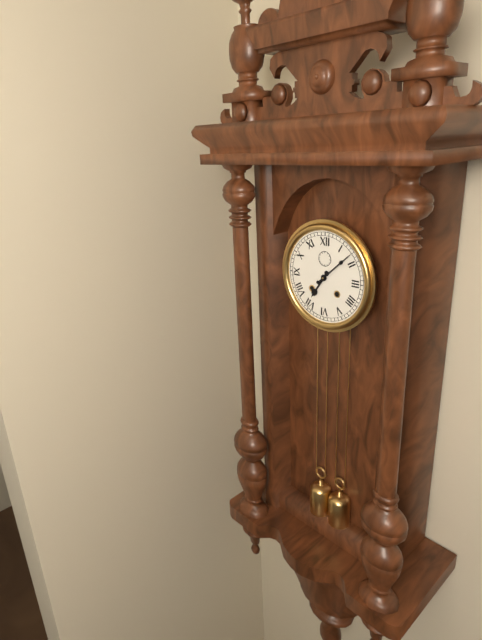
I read 7.08
